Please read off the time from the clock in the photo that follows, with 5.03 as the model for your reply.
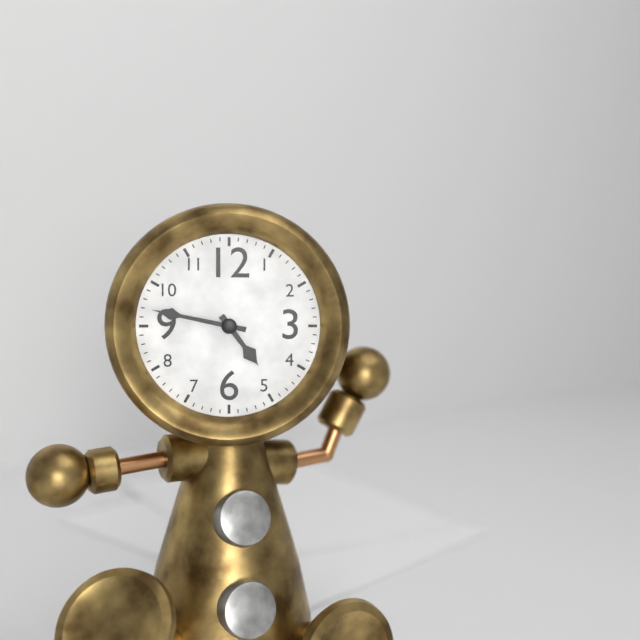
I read 4.47
